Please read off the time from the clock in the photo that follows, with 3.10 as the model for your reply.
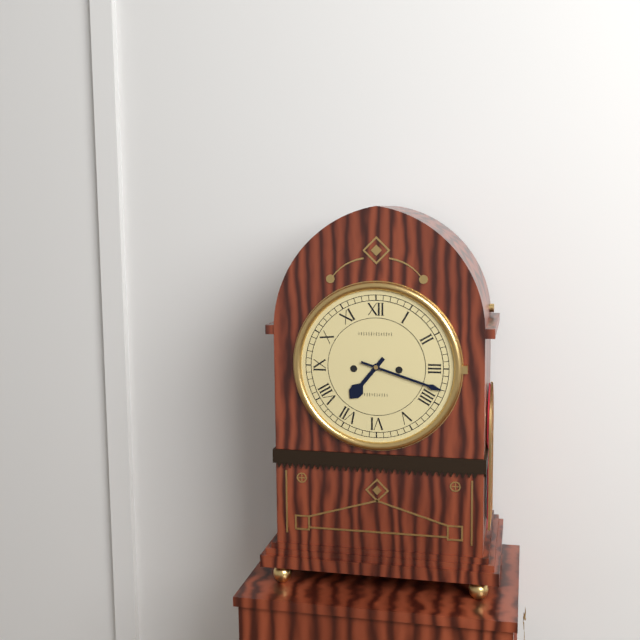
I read 7.18
